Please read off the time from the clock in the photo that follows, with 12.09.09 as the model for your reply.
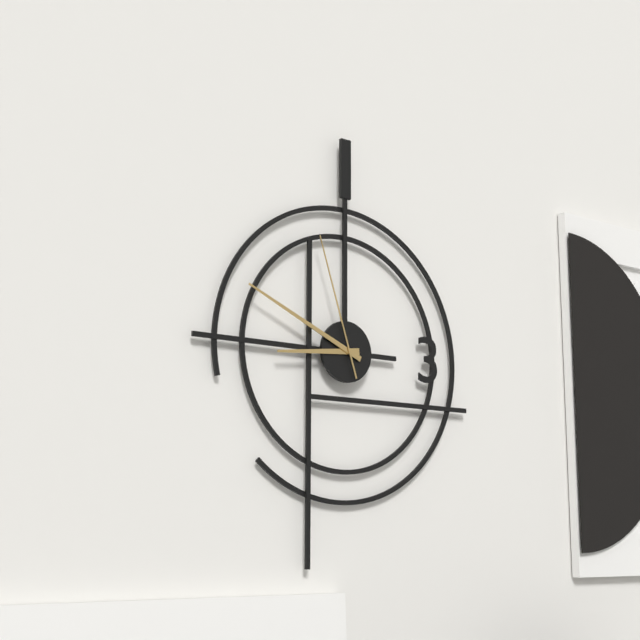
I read 8.49.57
